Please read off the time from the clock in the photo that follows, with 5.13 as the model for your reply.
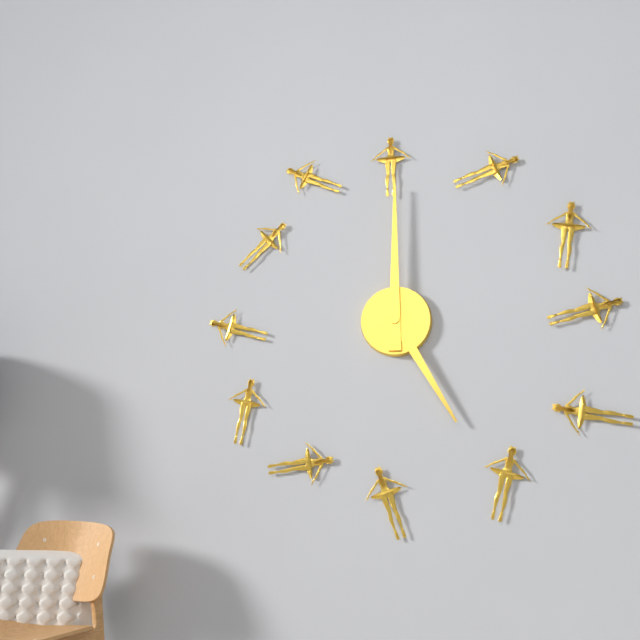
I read 5.00
